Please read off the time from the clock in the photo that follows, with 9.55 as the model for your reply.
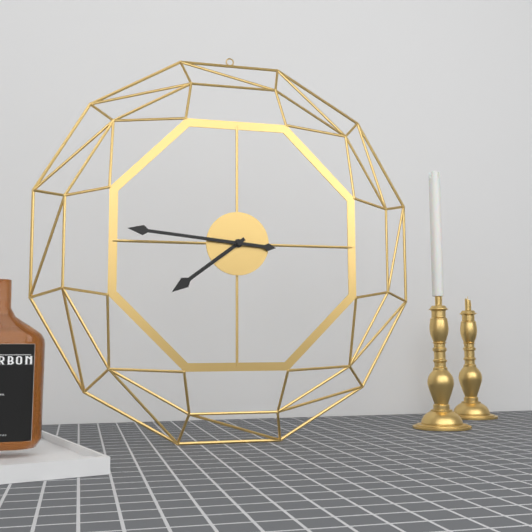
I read 7.46
